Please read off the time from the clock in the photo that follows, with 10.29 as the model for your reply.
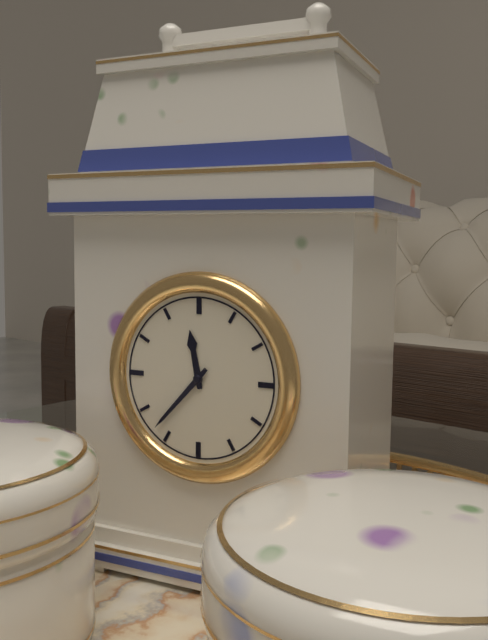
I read 11.37
